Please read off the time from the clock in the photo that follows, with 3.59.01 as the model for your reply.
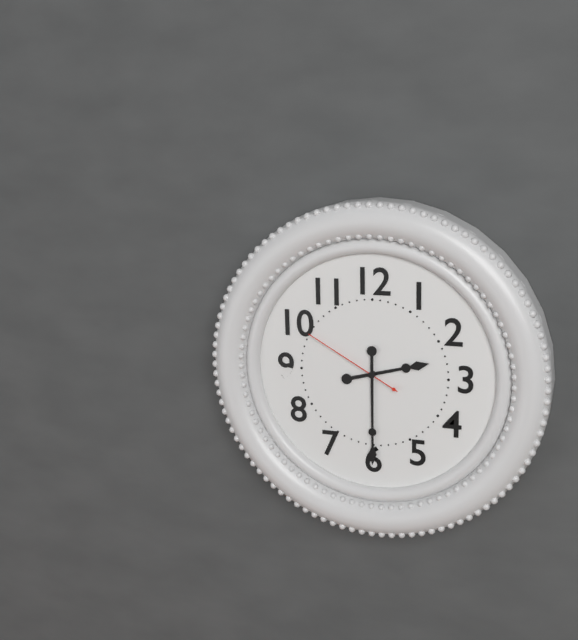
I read 2.30.50
